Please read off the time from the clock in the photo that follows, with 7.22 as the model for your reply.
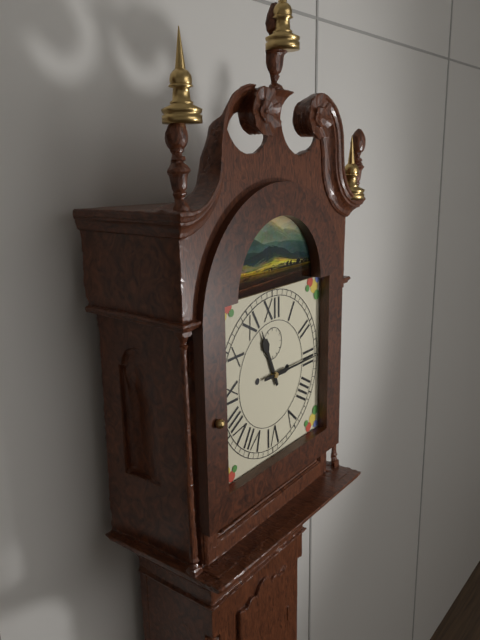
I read 11.15
